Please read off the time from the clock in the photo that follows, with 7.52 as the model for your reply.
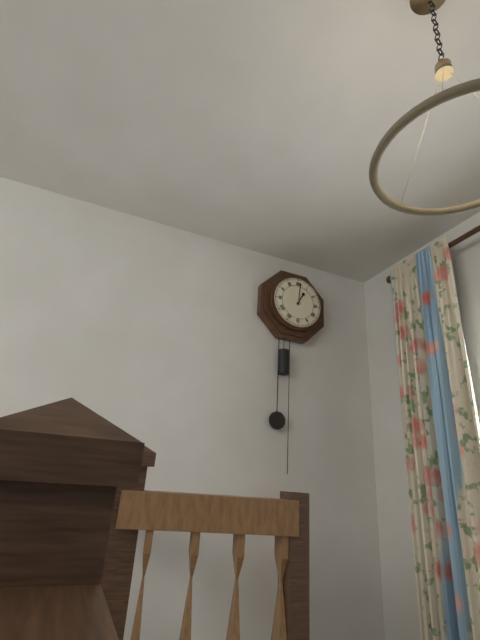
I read 1.01
